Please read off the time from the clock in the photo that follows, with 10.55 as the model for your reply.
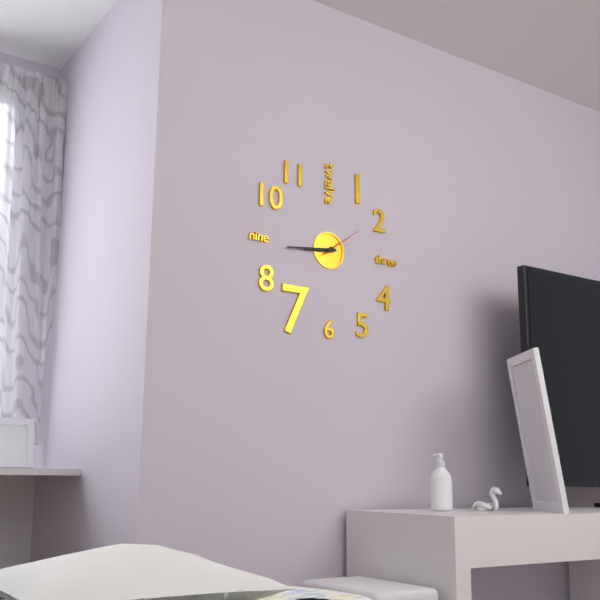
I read 8.44
